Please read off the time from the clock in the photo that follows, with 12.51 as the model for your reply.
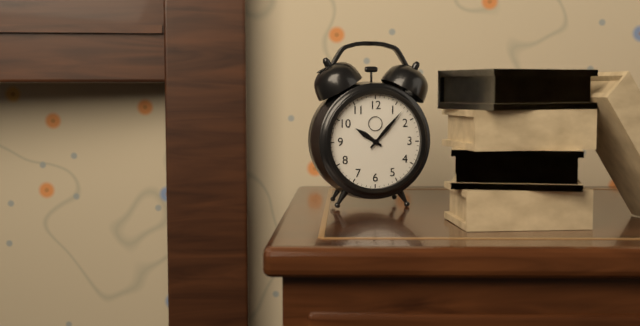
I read 10.07
